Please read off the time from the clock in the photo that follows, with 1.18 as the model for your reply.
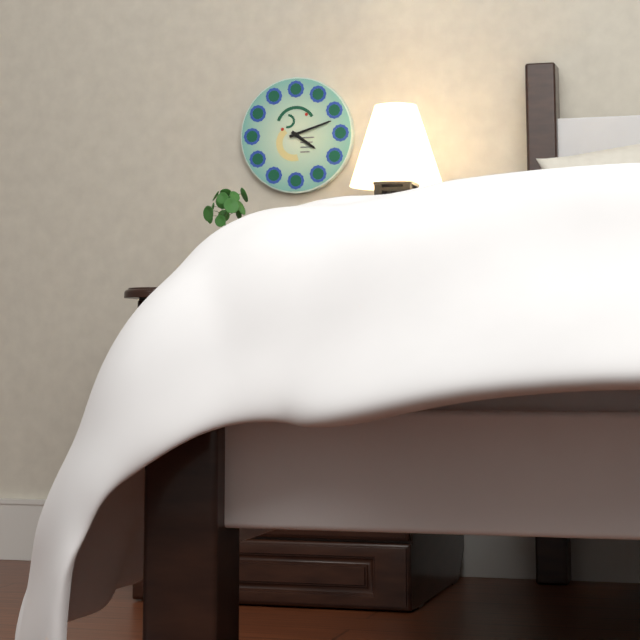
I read 4.12
